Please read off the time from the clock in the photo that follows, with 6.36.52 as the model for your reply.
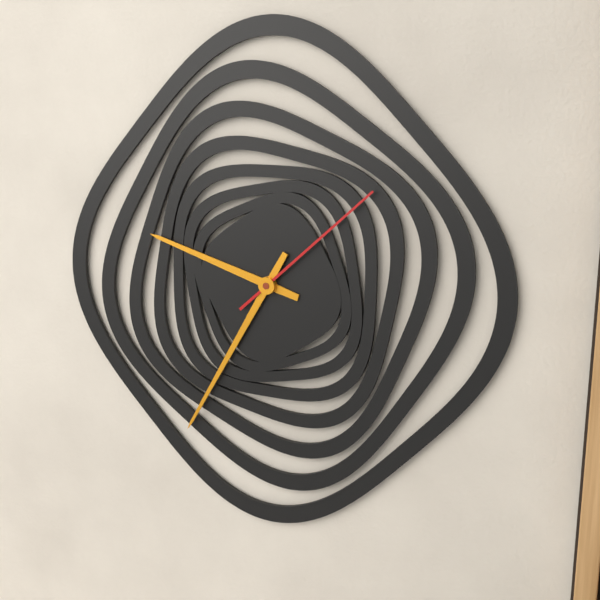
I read 9.35.08
